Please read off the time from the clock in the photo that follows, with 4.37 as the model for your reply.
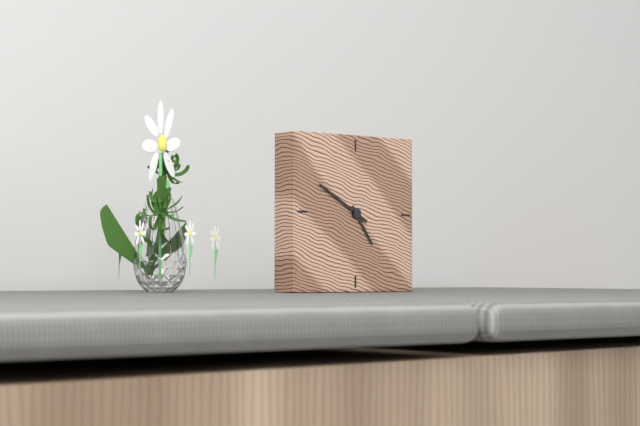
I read 4.50
